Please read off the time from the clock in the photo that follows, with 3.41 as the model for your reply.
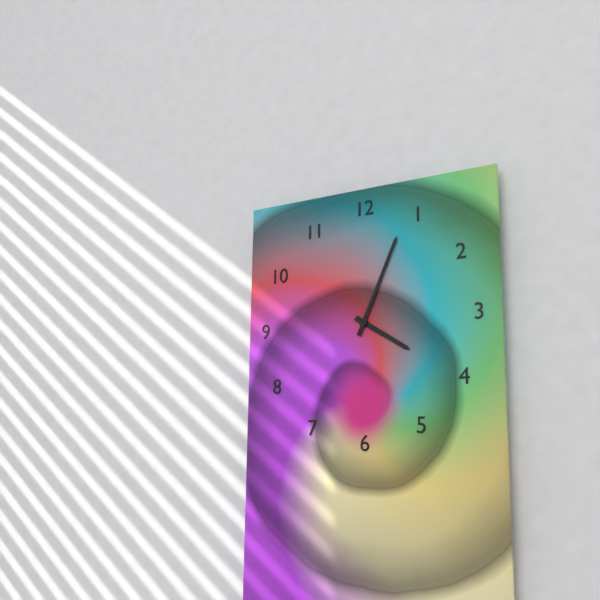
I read 4.04
